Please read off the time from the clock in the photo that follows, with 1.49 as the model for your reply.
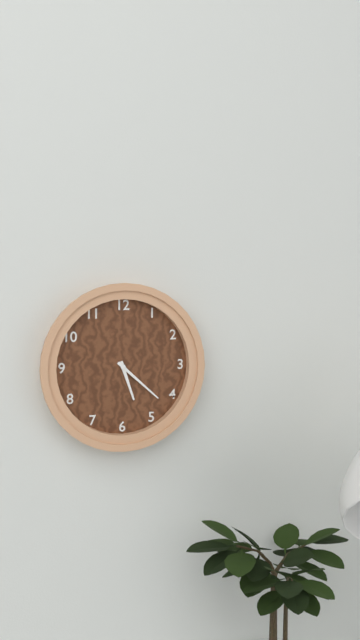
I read 5.22
